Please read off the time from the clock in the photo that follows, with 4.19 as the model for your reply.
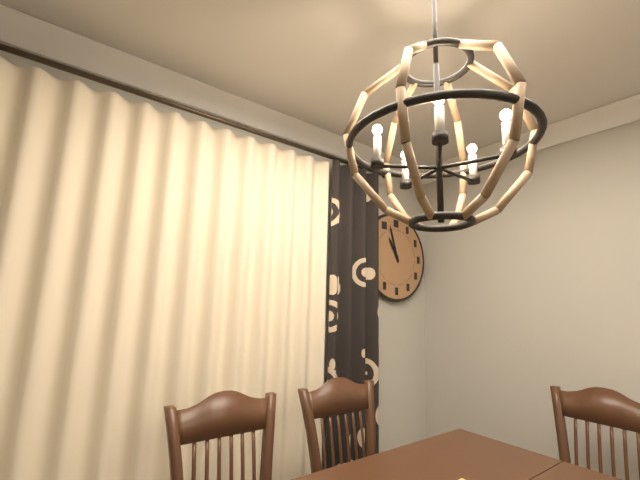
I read 10.57
